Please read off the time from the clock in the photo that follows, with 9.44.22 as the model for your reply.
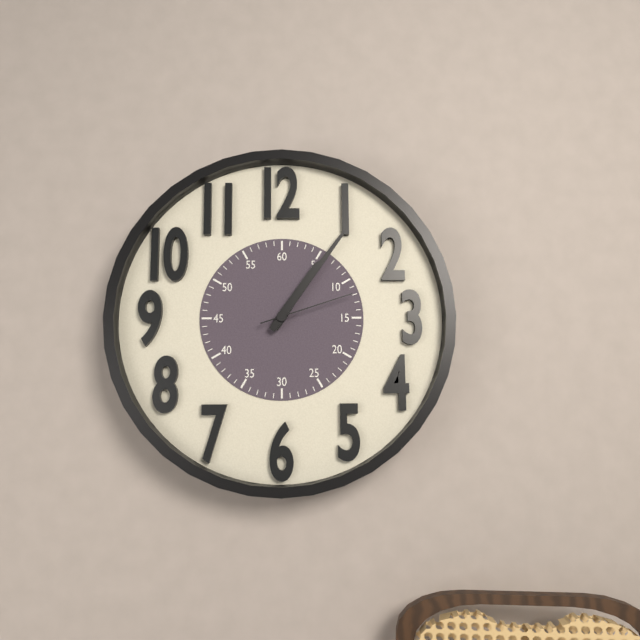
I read 1.06.12
